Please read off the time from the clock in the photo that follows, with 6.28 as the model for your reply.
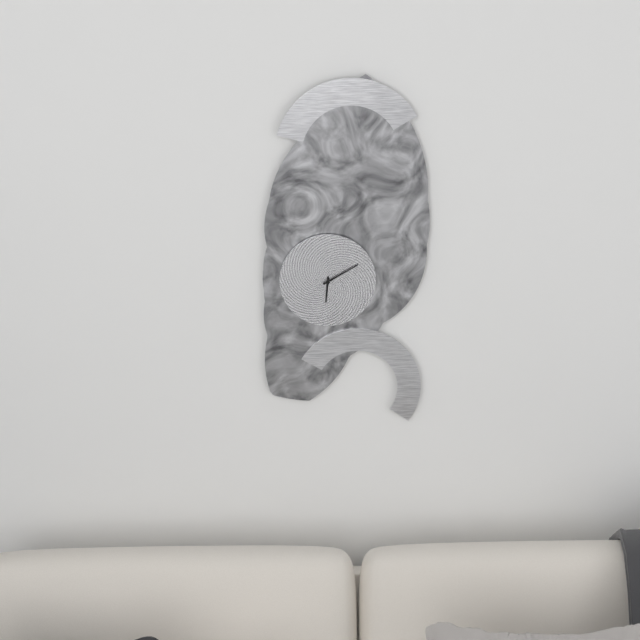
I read 6.10
